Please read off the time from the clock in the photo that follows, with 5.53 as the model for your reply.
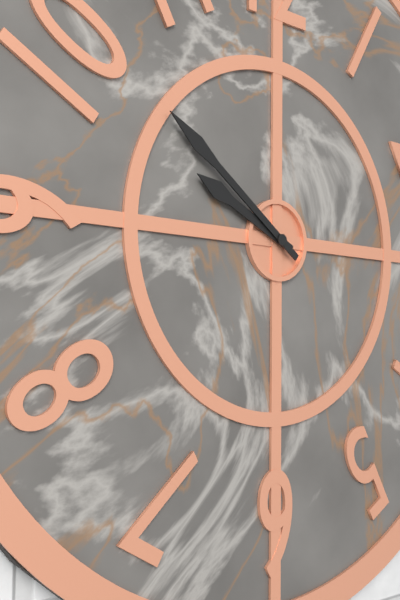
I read 9.51
